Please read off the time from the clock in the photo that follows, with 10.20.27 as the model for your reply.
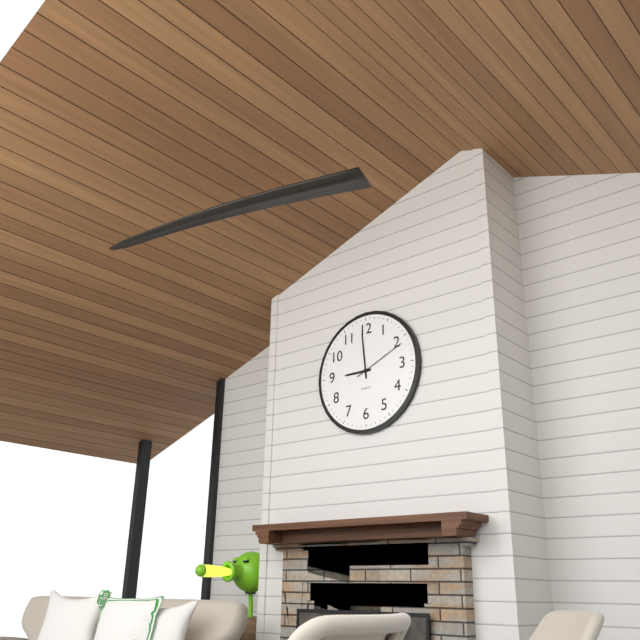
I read 8.59.11
